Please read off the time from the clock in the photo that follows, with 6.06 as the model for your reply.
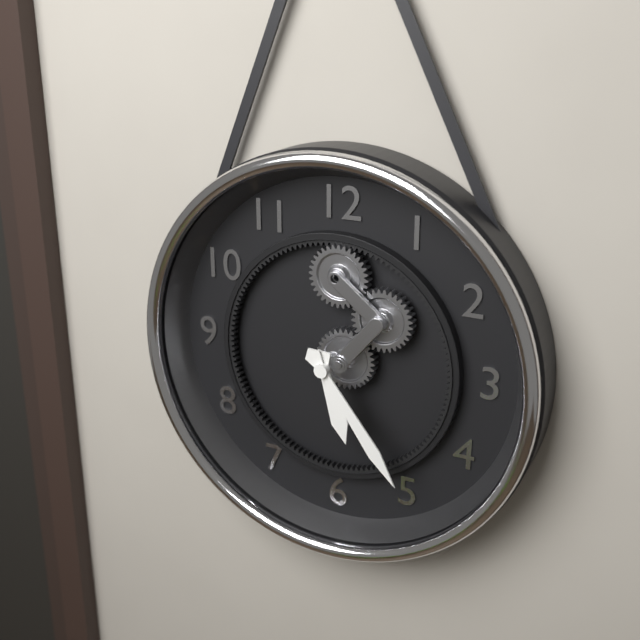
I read 5.24
